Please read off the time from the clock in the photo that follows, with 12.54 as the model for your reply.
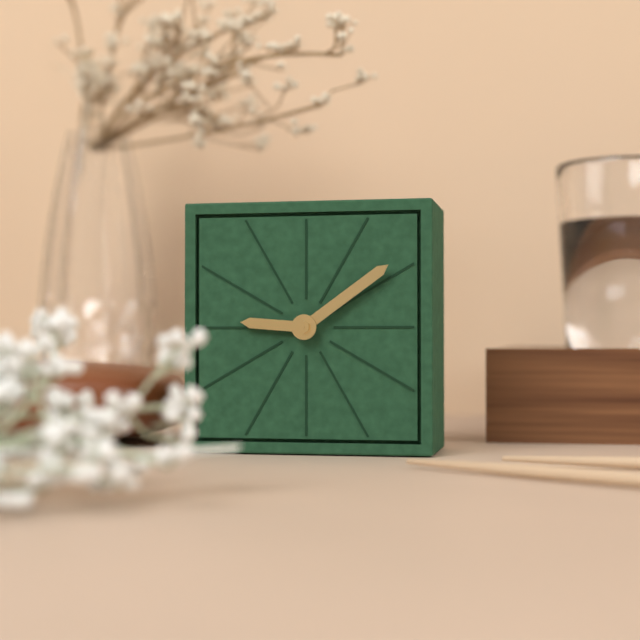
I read 9.09
